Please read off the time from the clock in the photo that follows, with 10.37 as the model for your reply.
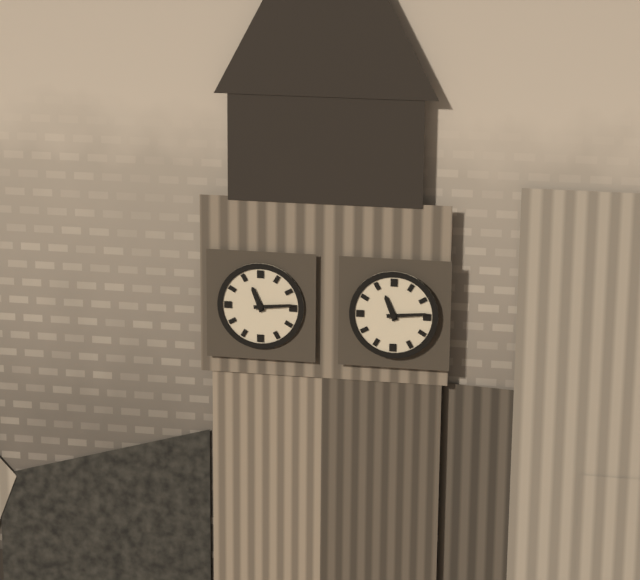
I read 11.14
